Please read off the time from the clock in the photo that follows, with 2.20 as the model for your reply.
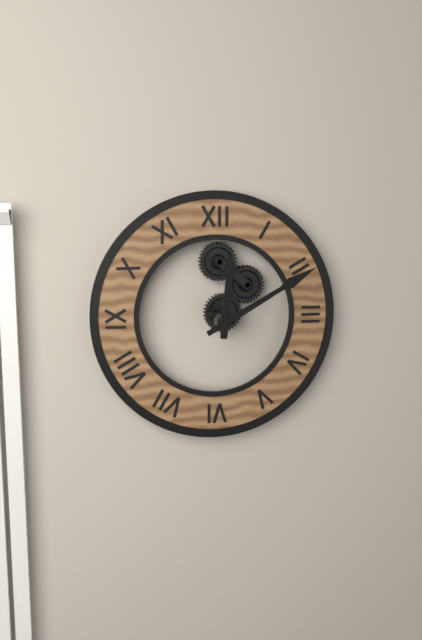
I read 12.10
